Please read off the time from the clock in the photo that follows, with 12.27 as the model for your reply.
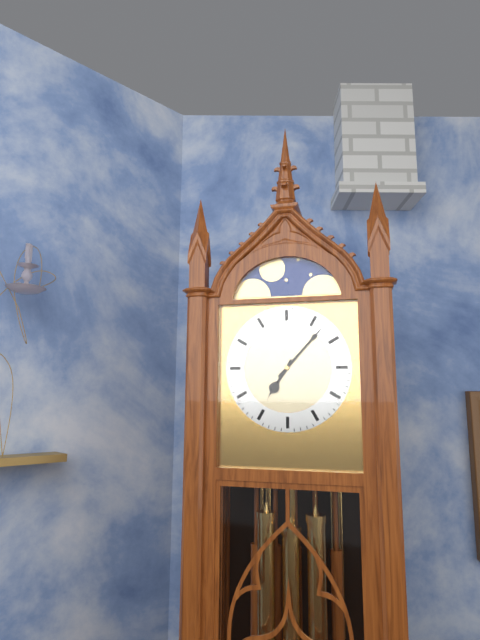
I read 7.07
